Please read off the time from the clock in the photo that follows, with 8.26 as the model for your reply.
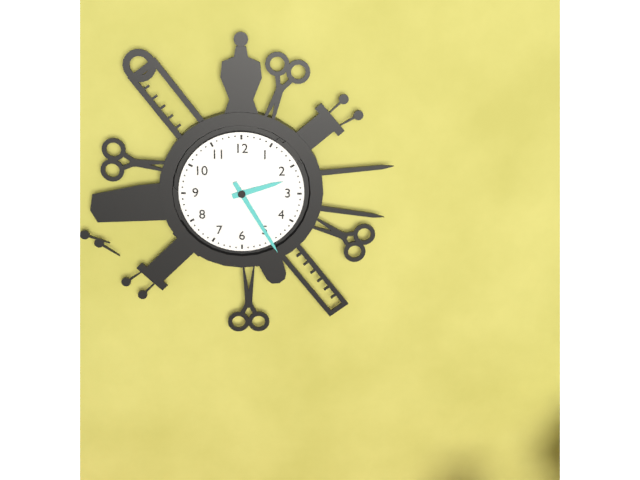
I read 2.25
